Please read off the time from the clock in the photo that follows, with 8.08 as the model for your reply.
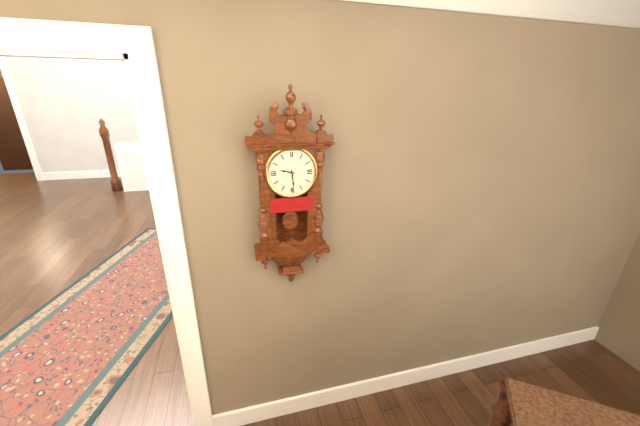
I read 9.29
